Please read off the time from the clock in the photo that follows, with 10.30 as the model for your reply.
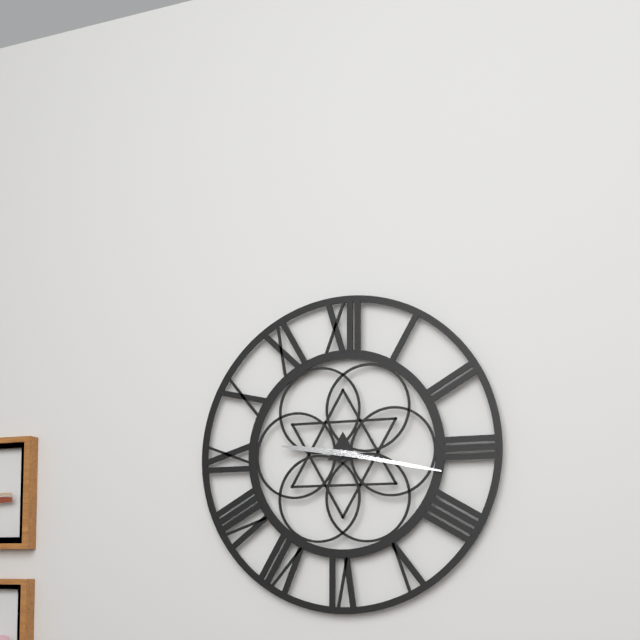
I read 9.17
